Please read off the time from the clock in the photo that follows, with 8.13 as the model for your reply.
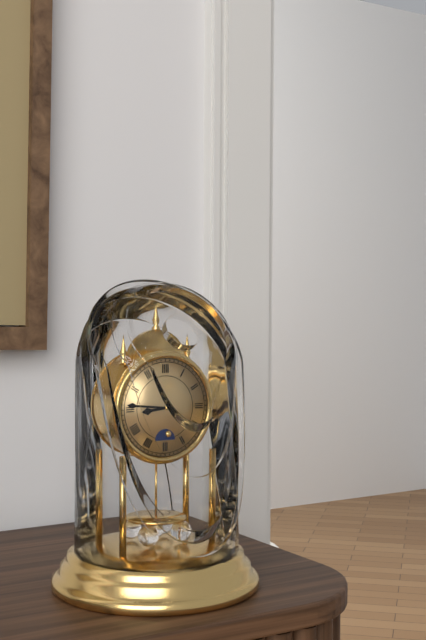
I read 8.46
